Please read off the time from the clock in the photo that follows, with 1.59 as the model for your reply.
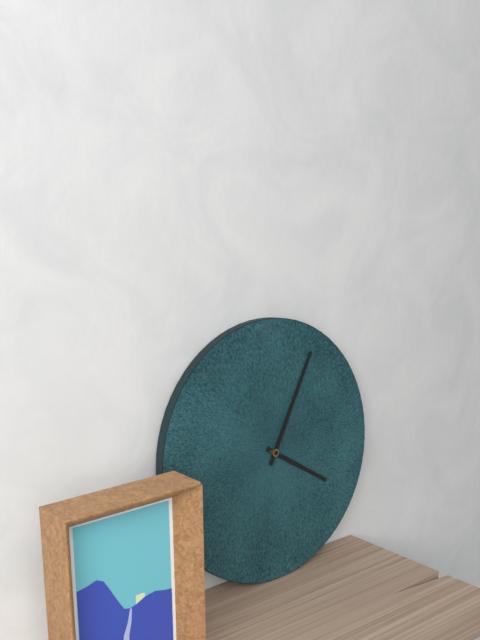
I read 4.05
